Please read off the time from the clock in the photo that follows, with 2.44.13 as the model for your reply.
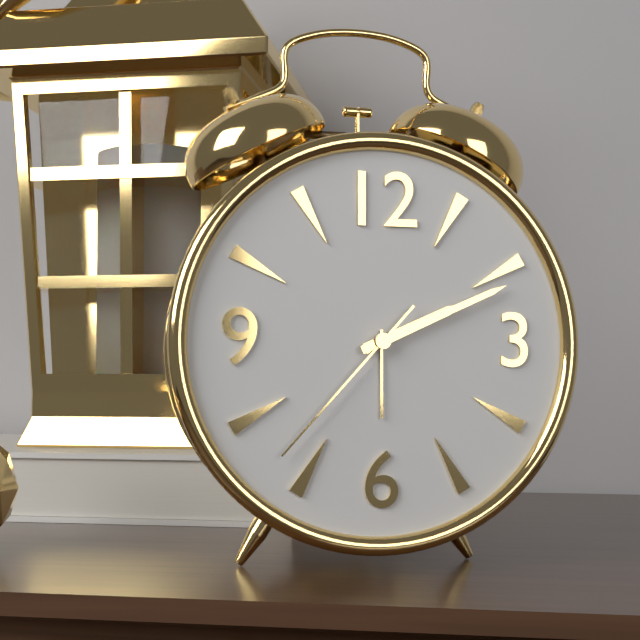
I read 2.11.37
